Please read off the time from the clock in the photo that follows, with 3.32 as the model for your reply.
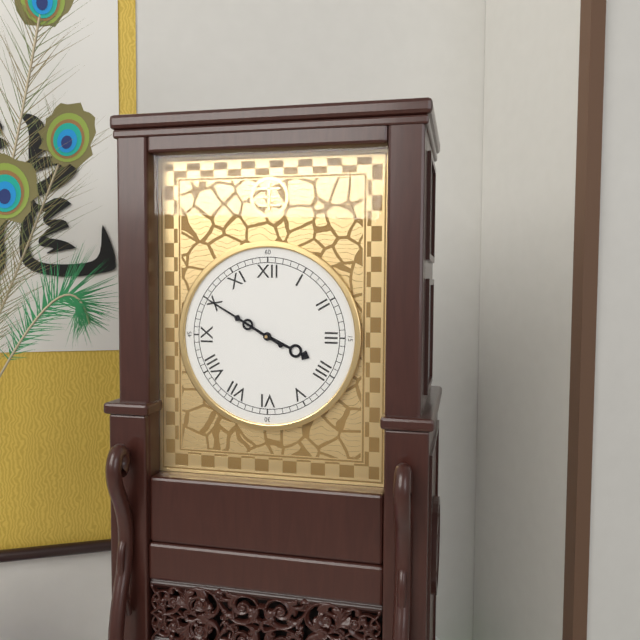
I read 3.50
